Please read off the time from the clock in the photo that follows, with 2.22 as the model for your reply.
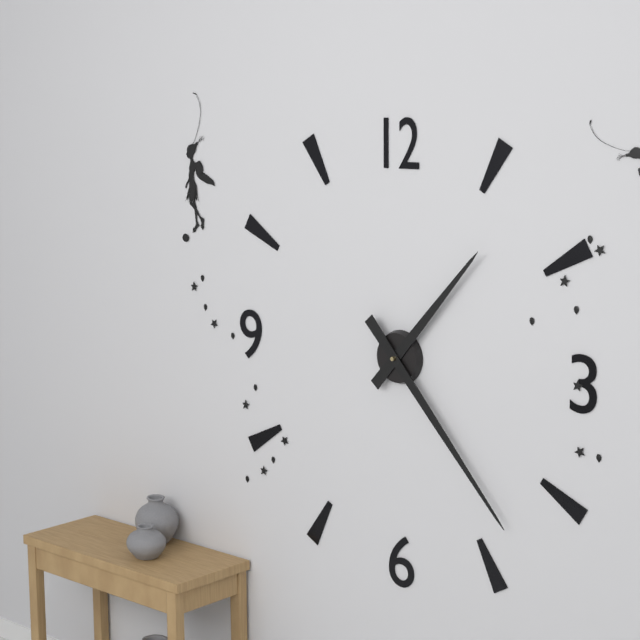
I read 1.23
